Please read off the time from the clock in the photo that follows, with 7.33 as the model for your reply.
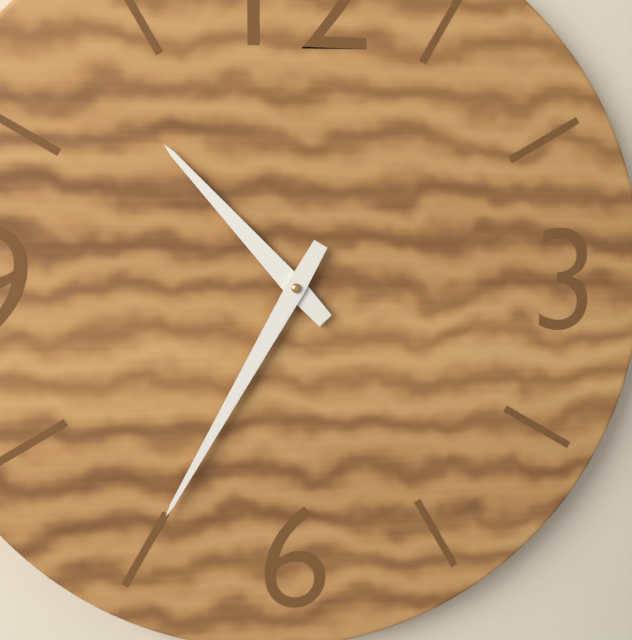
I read 10.35
